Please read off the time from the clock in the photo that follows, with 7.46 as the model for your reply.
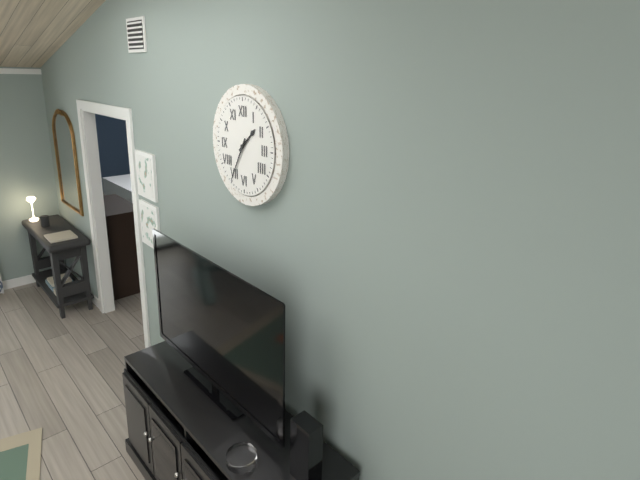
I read 1.35
